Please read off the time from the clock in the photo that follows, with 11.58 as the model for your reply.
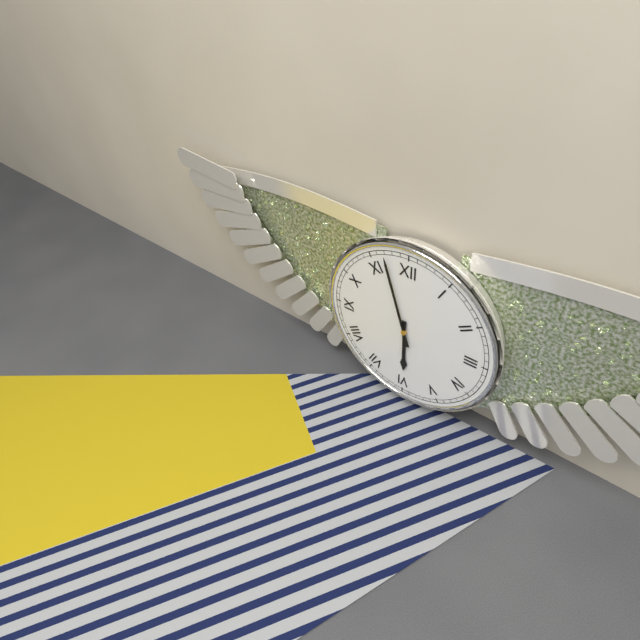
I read 5.57
